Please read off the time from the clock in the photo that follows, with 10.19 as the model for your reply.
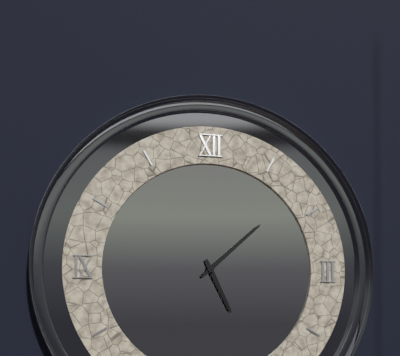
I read 5.08
